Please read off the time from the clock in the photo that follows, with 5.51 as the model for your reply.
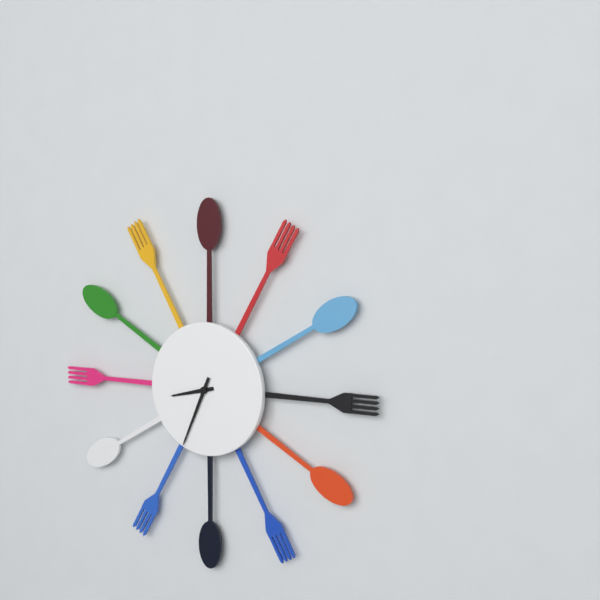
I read 8.34
